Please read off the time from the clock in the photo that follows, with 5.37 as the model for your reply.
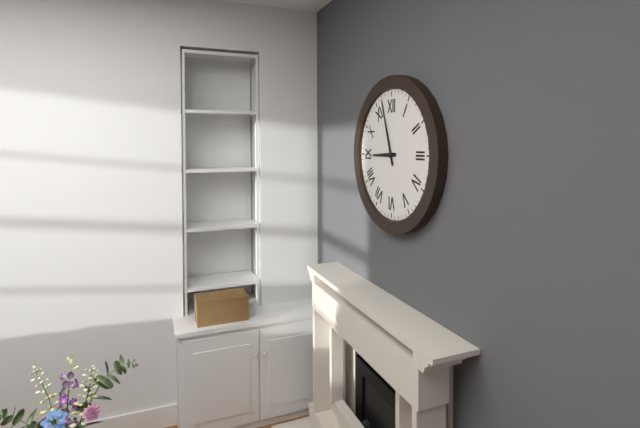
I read 8.57
